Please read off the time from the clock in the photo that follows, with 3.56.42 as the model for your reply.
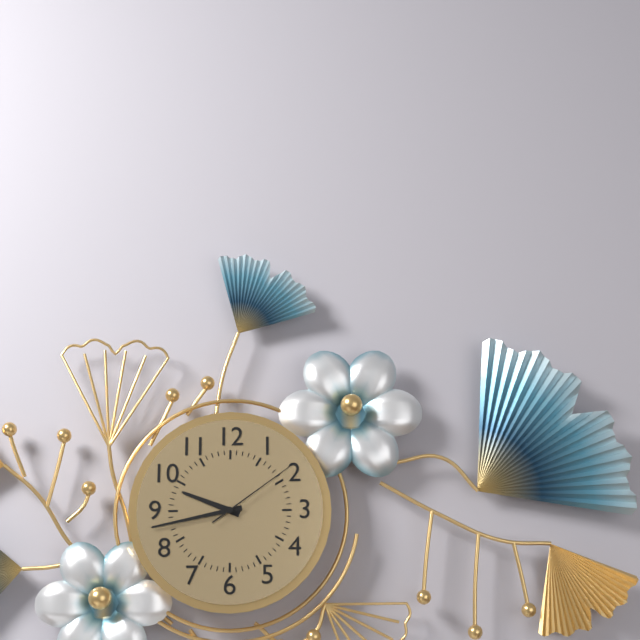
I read 9.43.09
